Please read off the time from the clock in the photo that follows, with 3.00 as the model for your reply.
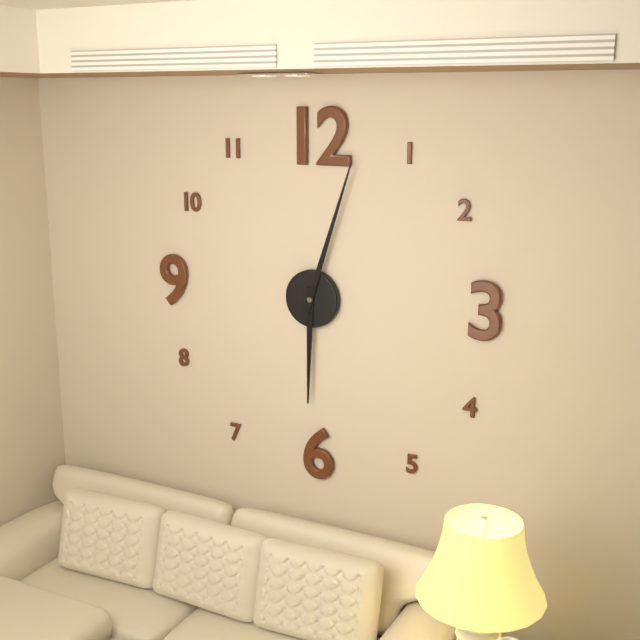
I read 6.03
